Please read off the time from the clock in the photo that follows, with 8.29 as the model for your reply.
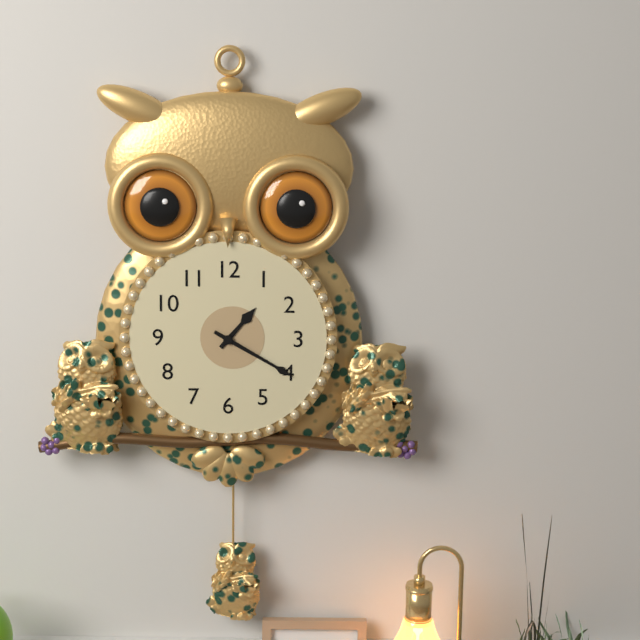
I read 1.20
